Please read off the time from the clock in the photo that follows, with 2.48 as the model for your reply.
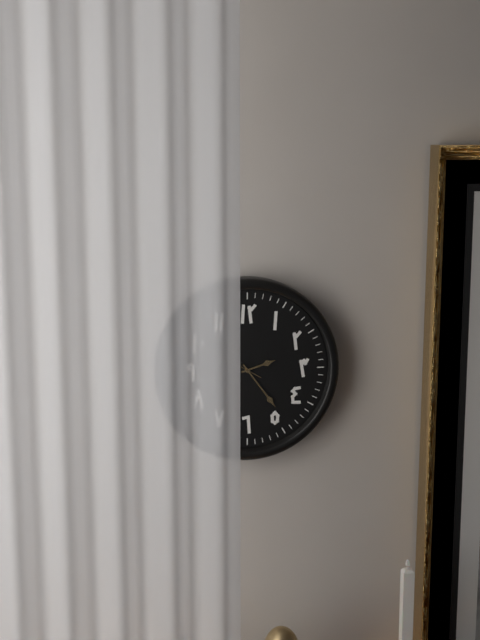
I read 2.24
